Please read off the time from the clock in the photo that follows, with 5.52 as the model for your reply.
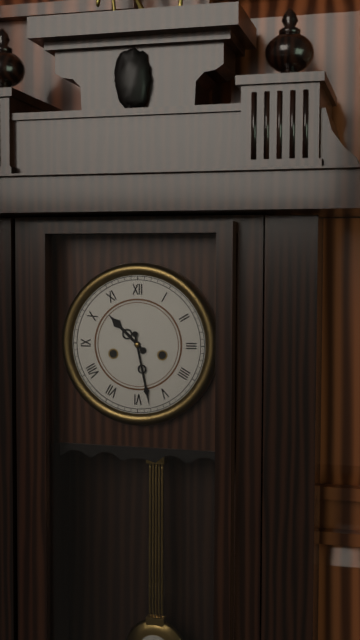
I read 10.28
